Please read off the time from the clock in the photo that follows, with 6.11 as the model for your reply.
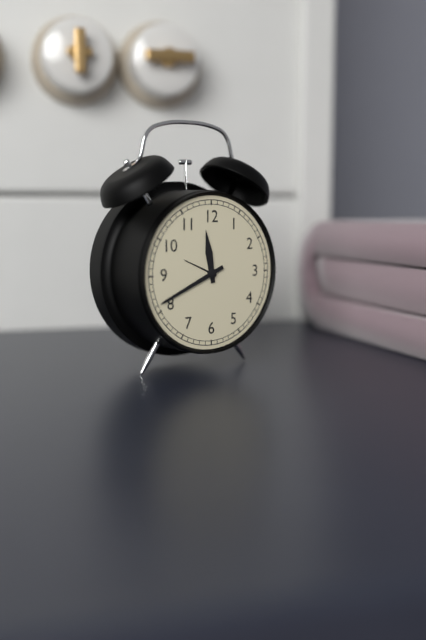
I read 11.41
